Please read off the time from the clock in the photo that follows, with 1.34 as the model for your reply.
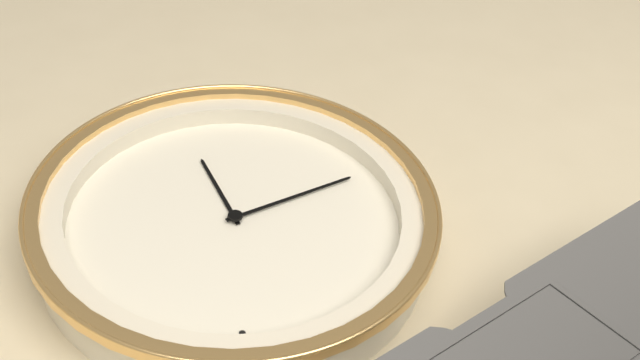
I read 4.37
